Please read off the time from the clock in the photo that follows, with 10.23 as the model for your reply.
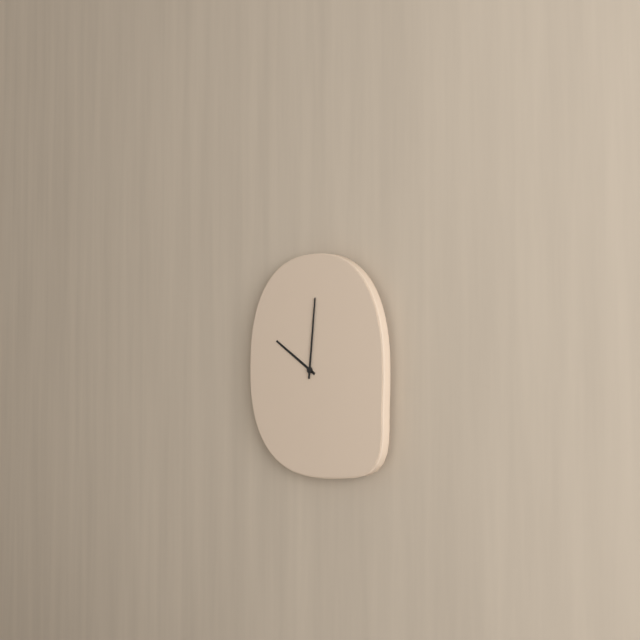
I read 10.01
